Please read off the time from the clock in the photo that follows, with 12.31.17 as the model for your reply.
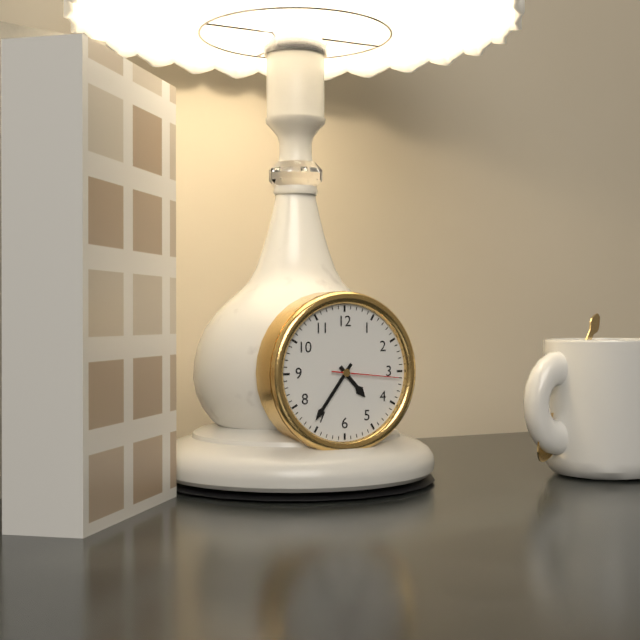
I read 4.36.16
